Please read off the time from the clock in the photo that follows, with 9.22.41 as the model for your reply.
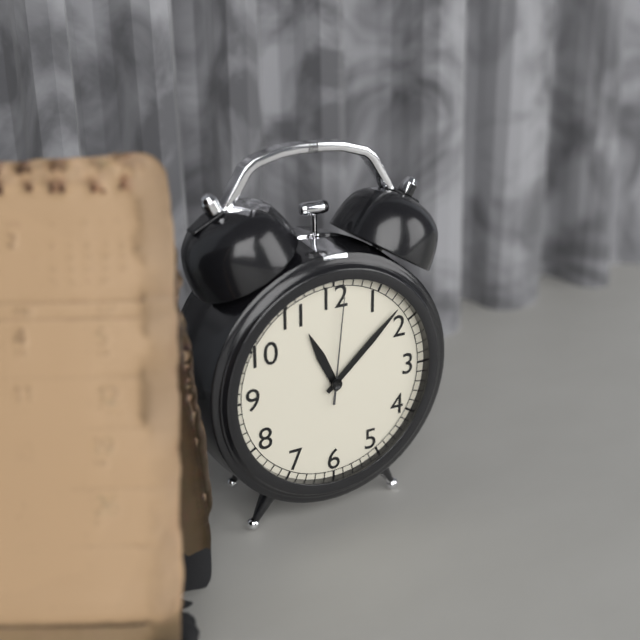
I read 11.08.01
